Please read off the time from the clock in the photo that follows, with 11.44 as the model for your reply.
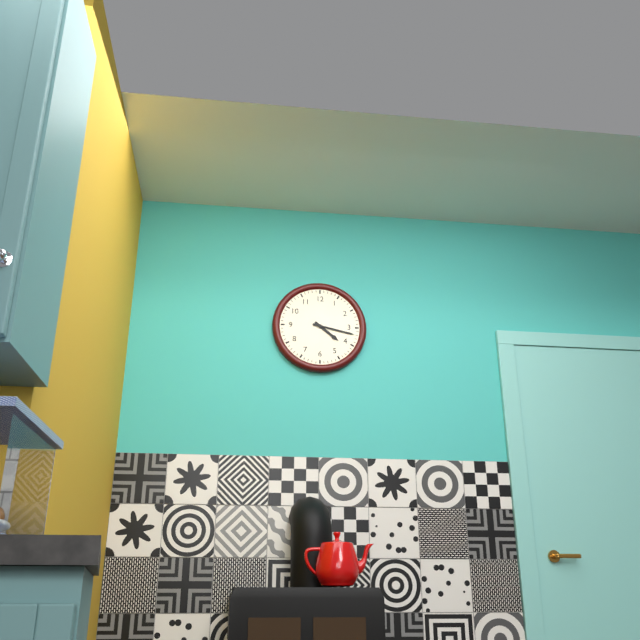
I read 4.17
